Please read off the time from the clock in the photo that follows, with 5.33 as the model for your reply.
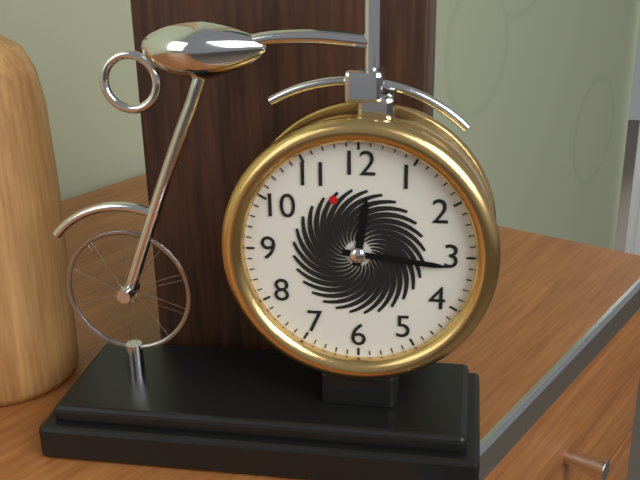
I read 12.16
